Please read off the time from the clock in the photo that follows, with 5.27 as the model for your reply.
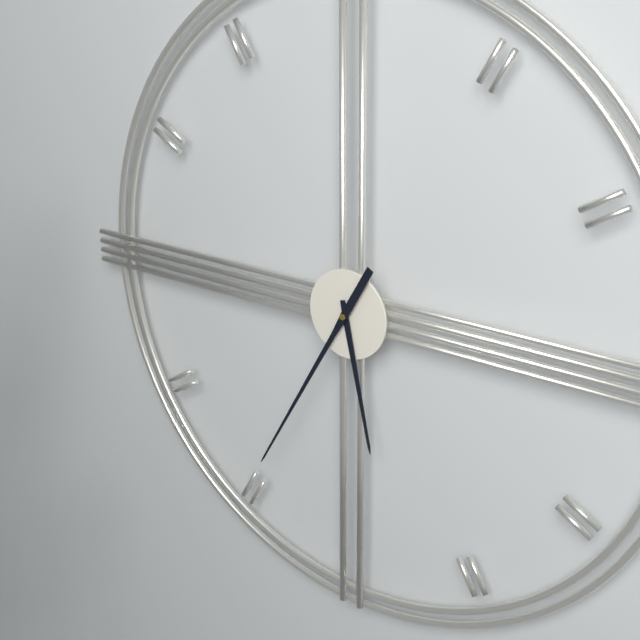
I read 5.35
